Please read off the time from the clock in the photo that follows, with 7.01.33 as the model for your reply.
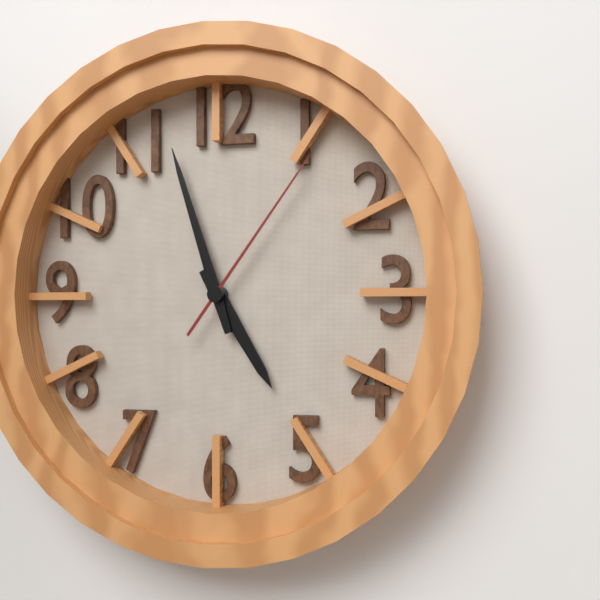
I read 4.57.06
